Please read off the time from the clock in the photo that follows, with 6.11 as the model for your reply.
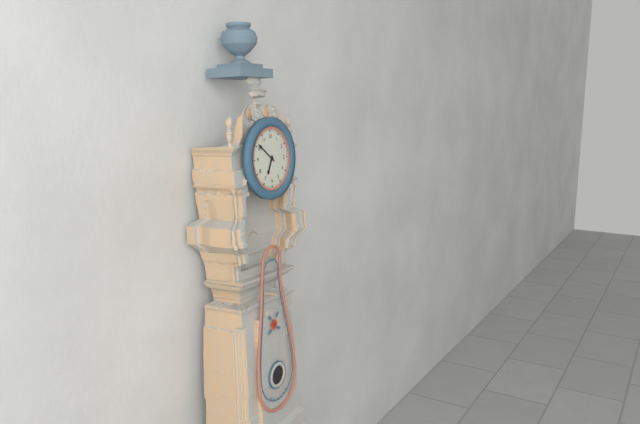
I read 6.51
